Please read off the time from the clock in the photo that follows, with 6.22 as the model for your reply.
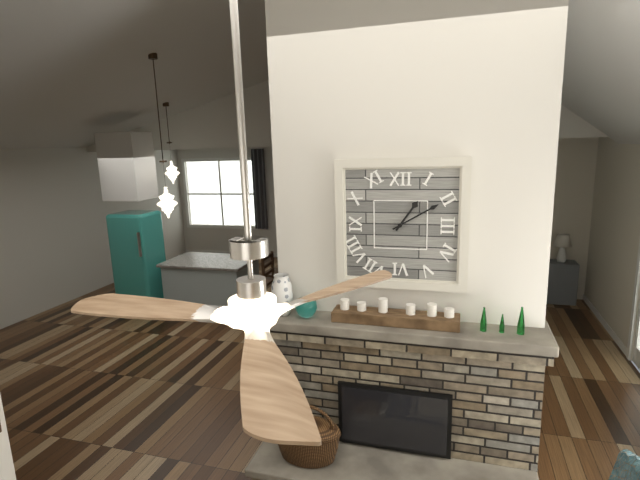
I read 1.10
